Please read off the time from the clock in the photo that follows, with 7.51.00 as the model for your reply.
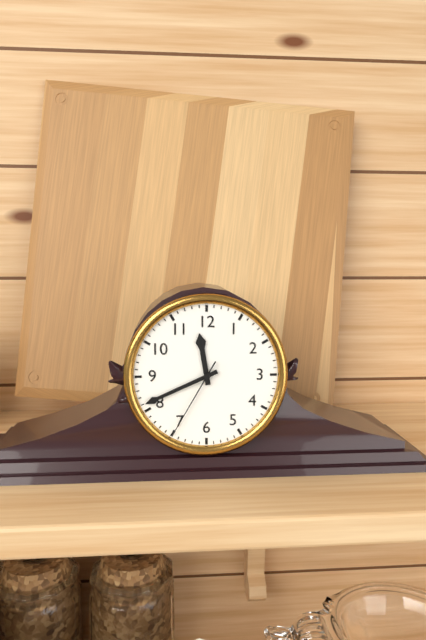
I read 11.41.35
